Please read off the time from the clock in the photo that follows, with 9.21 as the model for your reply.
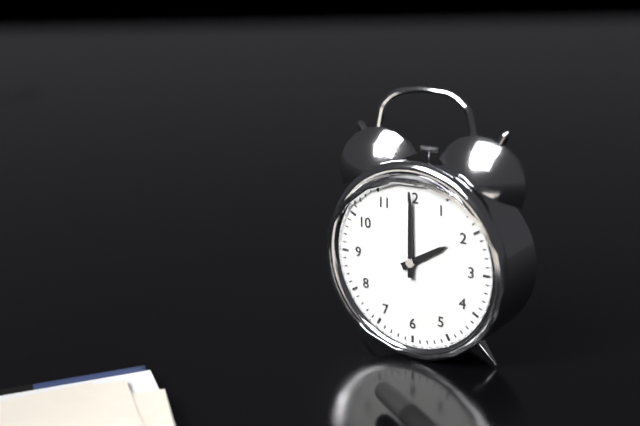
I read 2.00
